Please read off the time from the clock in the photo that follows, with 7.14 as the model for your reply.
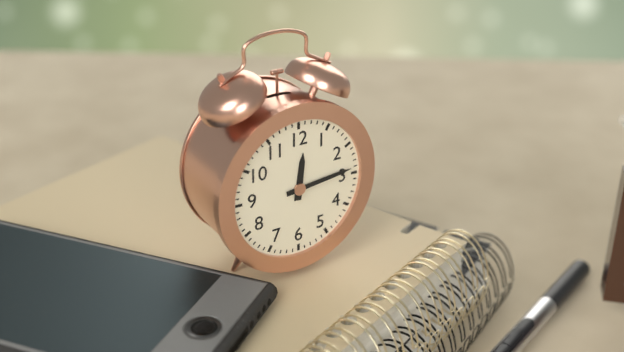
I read 12.14
